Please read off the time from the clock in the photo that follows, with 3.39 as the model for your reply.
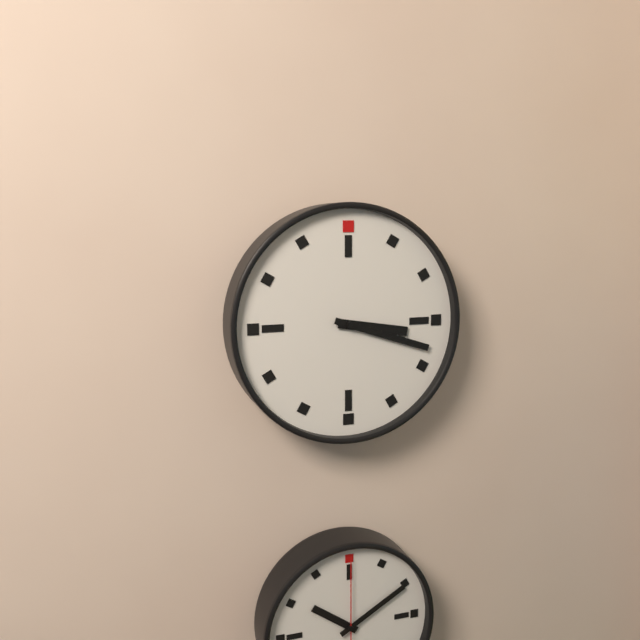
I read 3.18
